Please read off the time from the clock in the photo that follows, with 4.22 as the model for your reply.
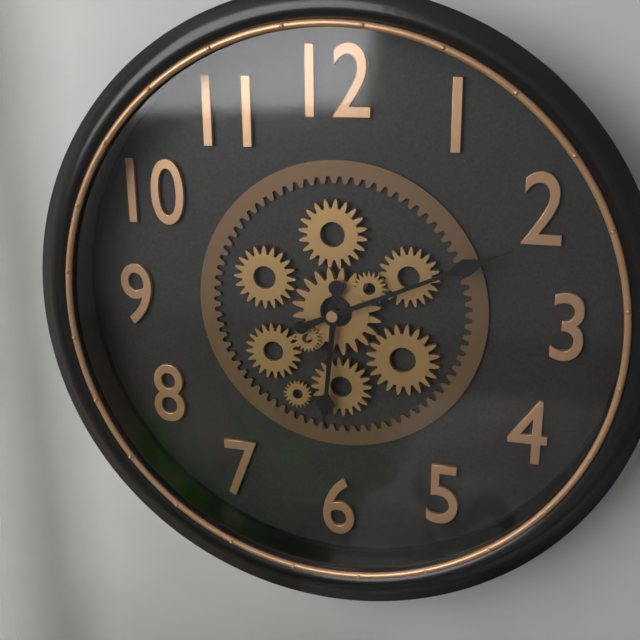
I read 6.11
